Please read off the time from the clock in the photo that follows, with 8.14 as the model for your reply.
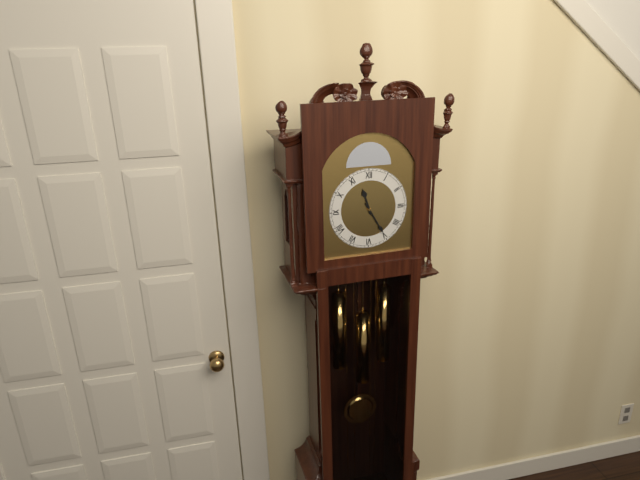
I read 11.25
